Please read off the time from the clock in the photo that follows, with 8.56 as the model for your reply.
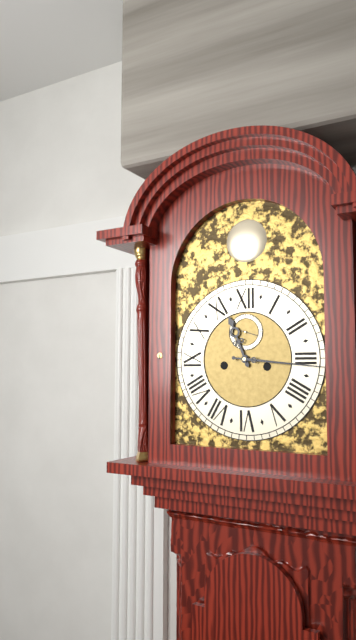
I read 11.16
